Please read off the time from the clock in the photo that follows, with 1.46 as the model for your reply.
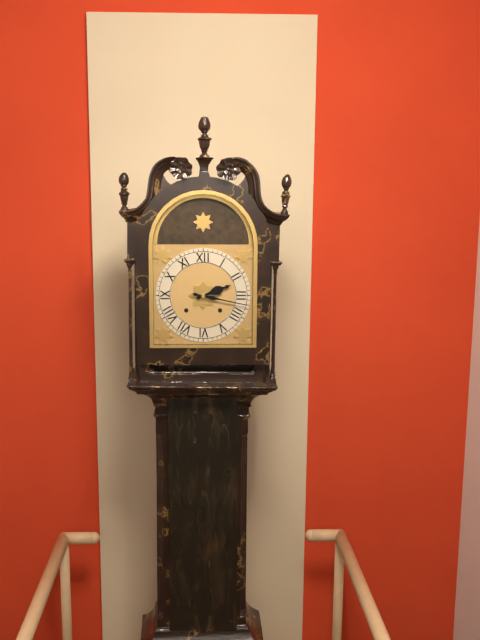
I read 2.17
